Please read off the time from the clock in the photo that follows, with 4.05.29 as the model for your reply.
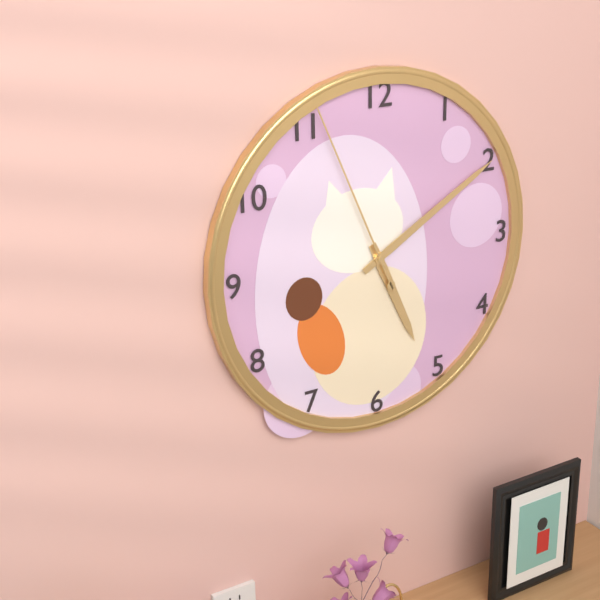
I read 5.10.56
